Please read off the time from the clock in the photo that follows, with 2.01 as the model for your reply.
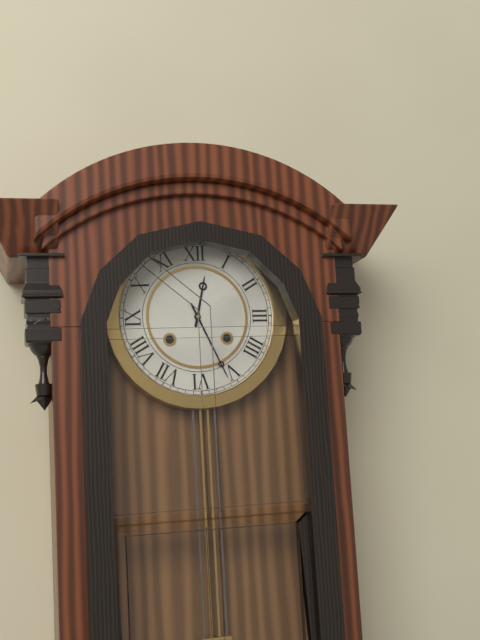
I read 12.26
